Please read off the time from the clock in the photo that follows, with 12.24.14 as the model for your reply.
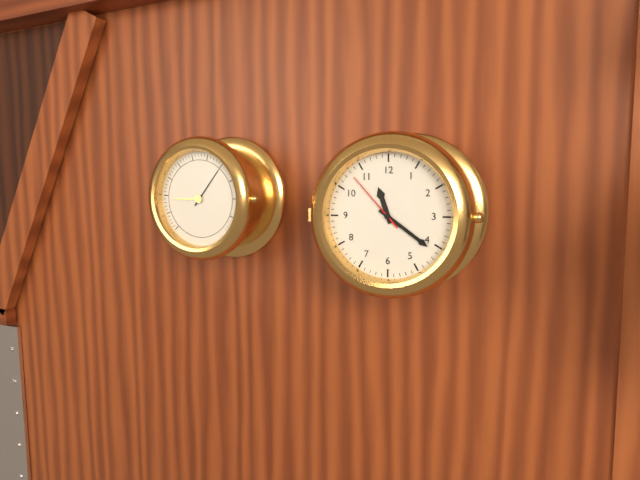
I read 11.21.53
